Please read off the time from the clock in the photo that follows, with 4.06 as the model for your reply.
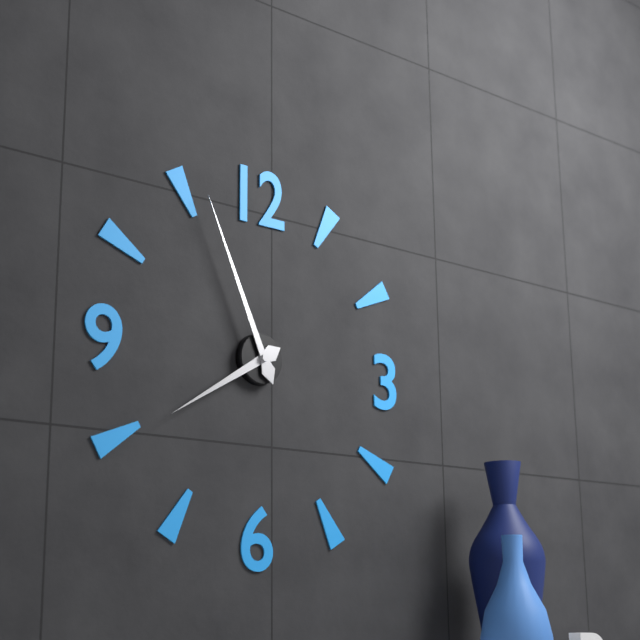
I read 7.56
